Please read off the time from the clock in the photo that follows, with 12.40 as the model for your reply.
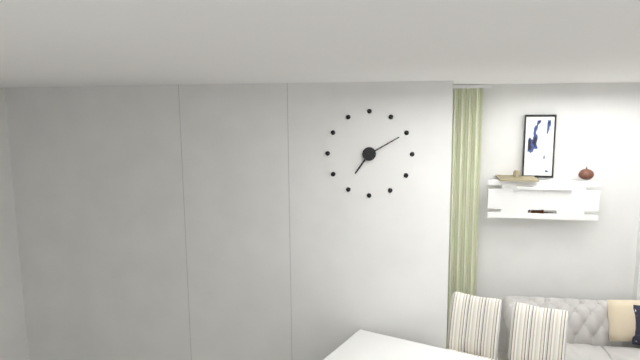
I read 7.10
